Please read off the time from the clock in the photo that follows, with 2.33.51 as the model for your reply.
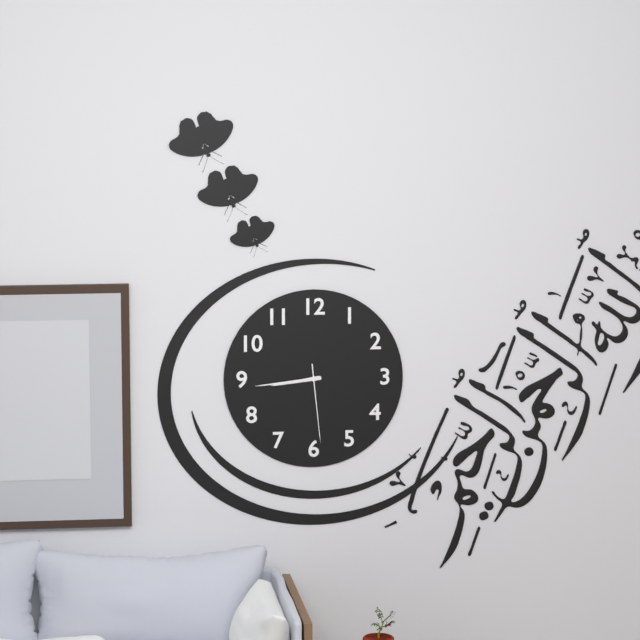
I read 8.44.29
